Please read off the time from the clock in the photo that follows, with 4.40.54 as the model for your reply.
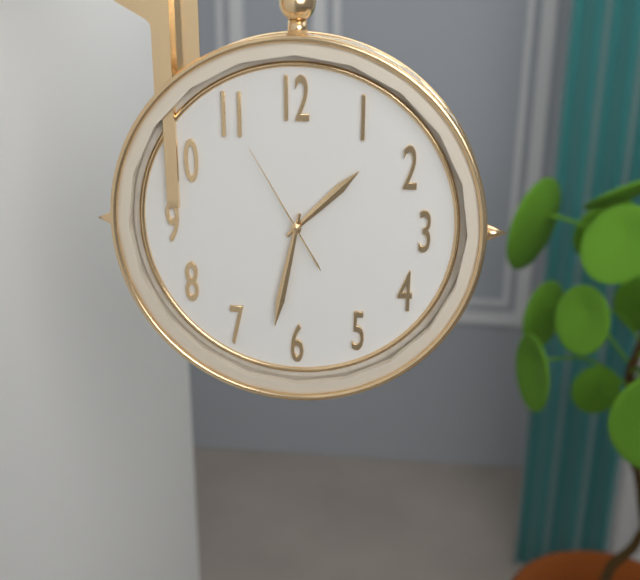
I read 1.32.55
